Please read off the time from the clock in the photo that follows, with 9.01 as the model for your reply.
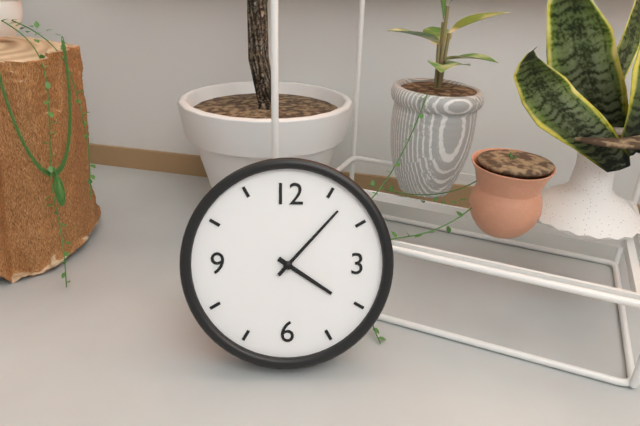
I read 4.07
